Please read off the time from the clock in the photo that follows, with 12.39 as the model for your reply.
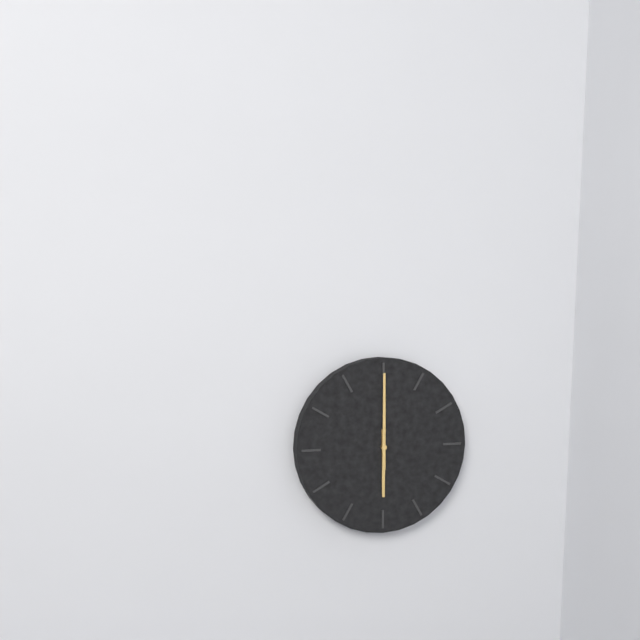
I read 6.00
